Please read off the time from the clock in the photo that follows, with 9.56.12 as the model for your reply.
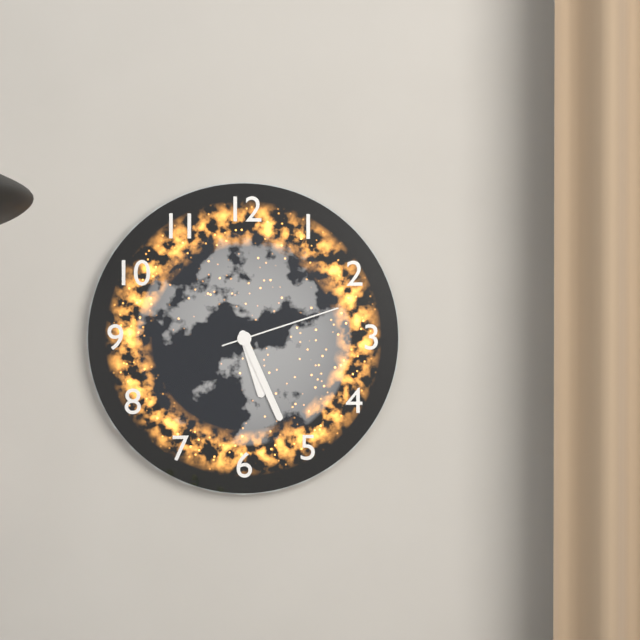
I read 5.26.12
